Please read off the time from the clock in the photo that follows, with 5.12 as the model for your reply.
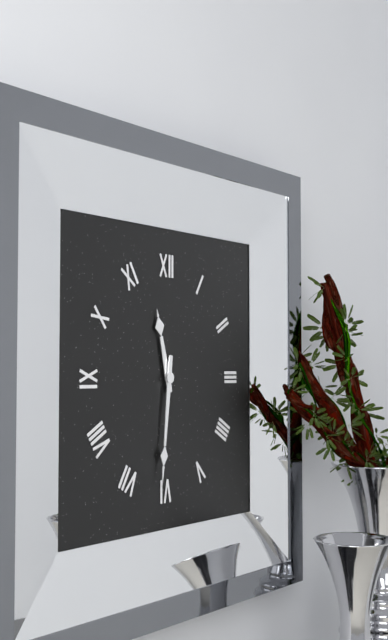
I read 11.31
